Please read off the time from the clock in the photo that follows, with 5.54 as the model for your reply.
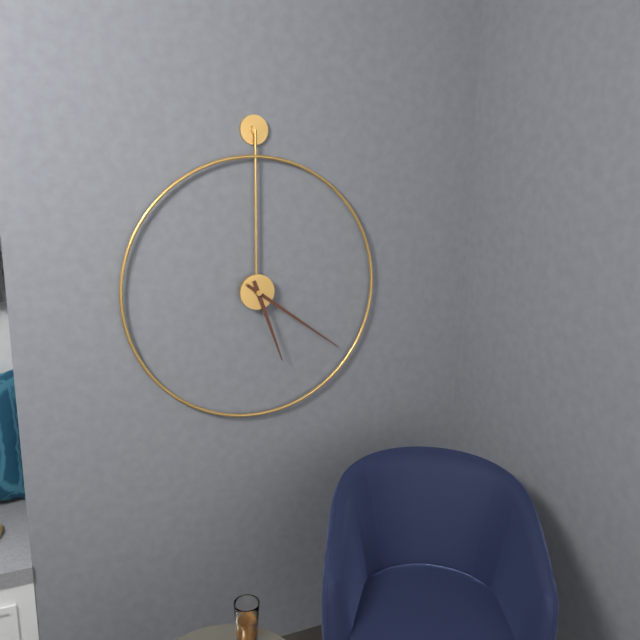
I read 5.21
